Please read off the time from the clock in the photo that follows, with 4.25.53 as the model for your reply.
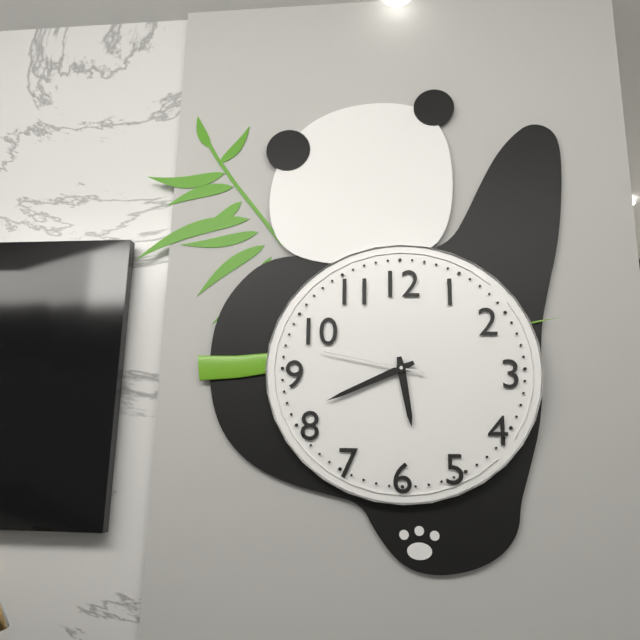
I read 5.41.47
